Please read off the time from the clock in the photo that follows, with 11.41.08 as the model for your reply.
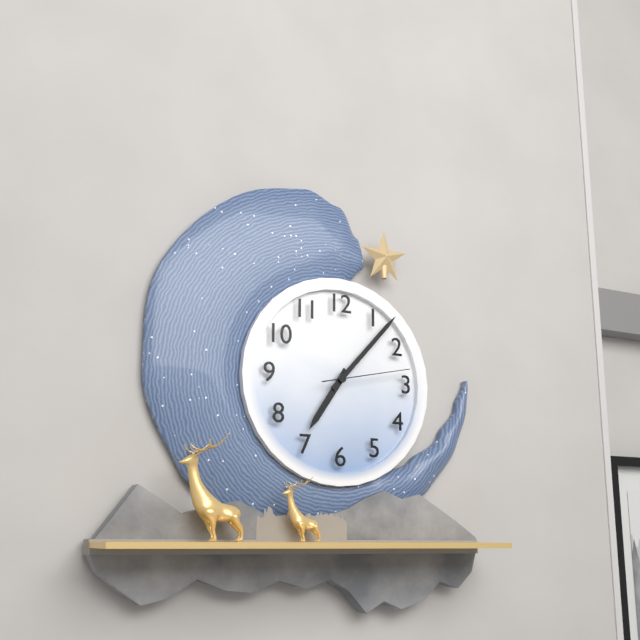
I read 7.07.13
